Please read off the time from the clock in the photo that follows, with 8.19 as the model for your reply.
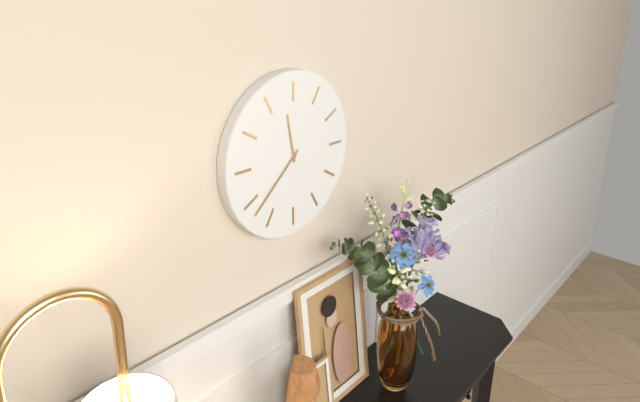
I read 11.38
